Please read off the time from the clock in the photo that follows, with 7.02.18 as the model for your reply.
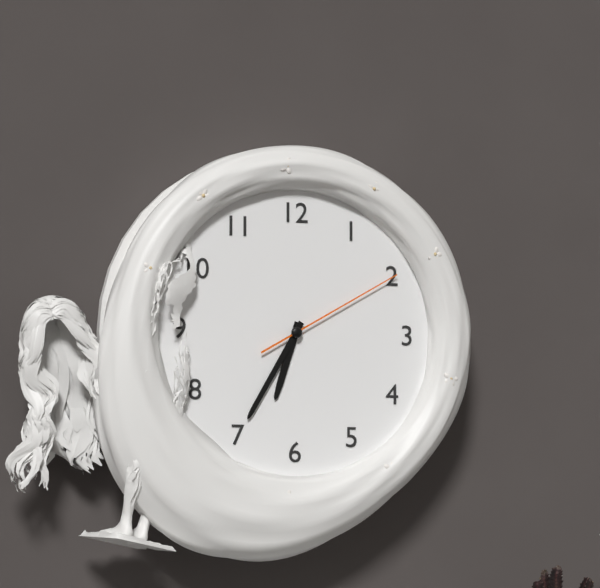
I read 6.35.10
